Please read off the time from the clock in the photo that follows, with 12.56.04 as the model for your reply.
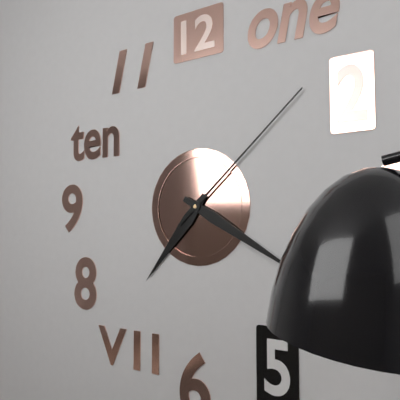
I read 7.20.08
